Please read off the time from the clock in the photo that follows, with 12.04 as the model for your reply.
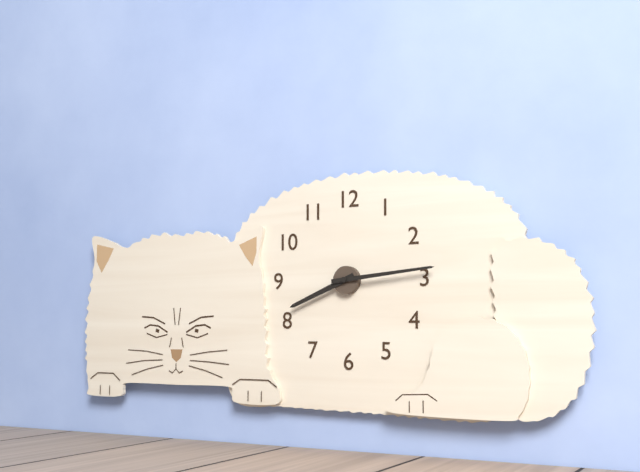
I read 8.14
